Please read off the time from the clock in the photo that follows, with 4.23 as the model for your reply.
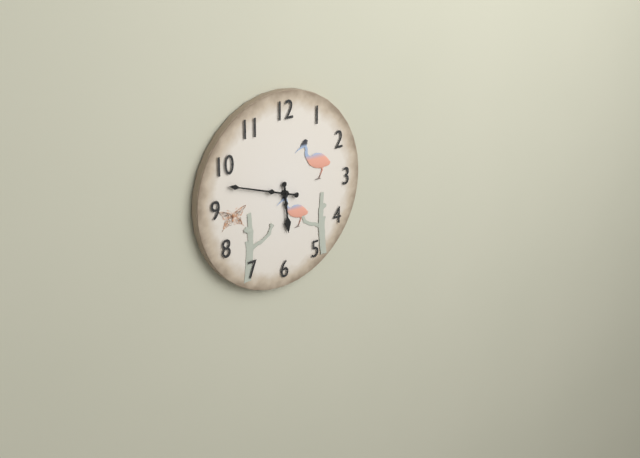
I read 5.48
